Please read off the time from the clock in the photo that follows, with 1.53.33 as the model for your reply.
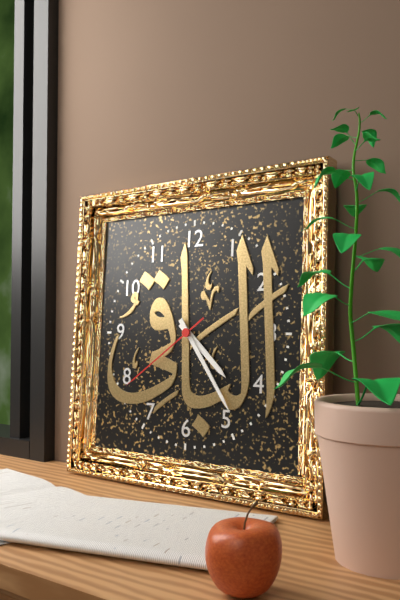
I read 4.24.39
